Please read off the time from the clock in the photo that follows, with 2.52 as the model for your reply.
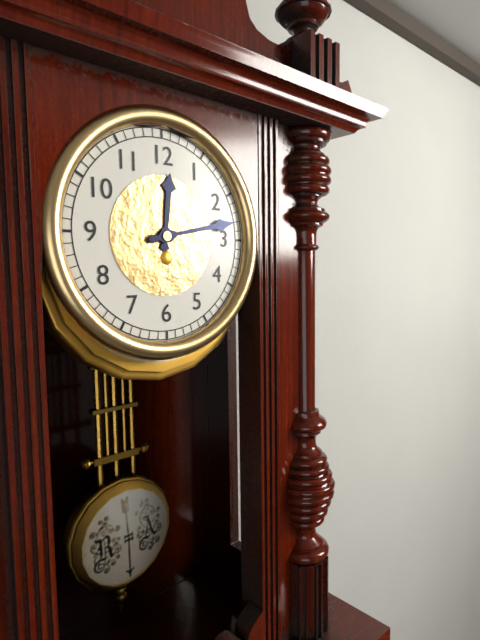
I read 12.13
